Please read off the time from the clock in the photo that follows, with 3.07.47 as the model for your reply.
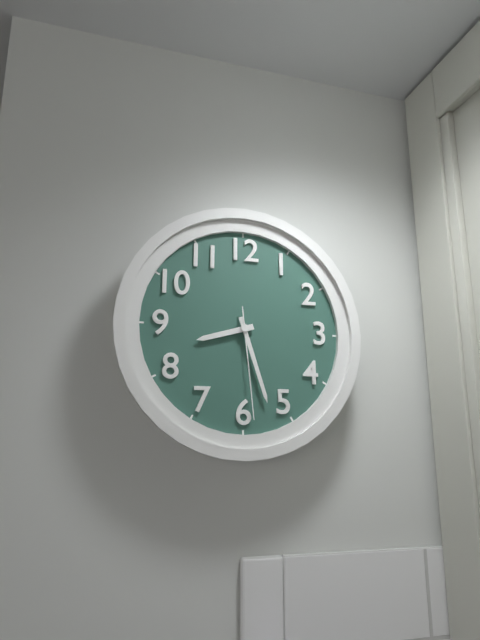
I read 8.27.29
